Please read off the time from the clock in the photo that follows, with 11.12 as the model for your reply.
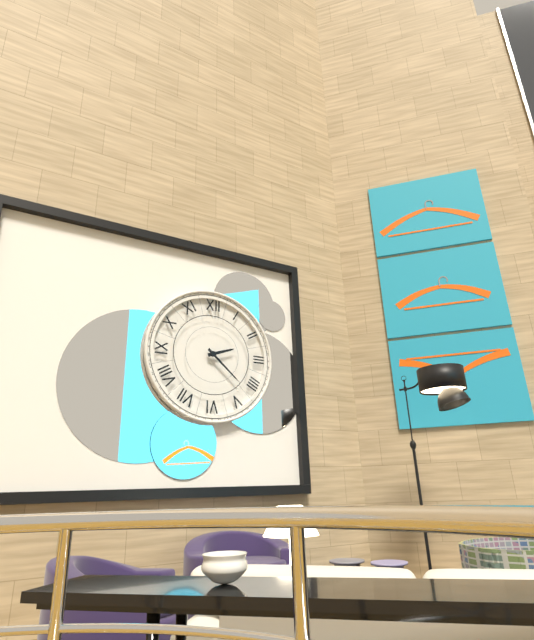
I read 2.22
